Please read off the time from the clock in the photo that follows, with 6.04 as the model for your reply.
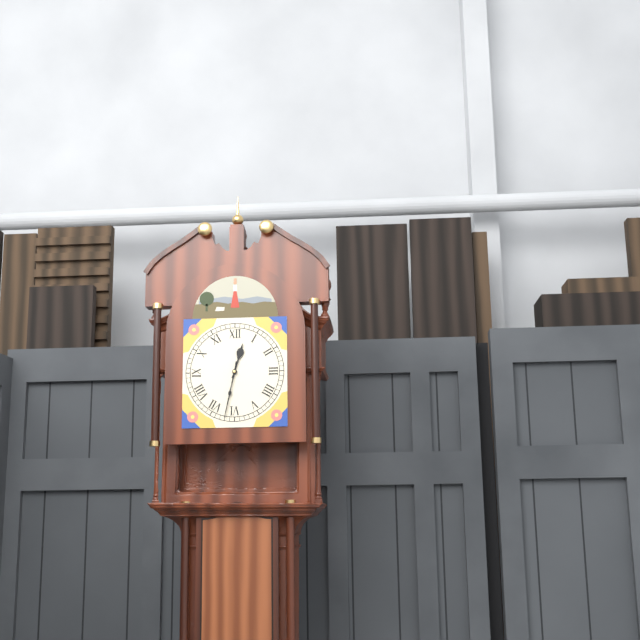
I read 12.32
